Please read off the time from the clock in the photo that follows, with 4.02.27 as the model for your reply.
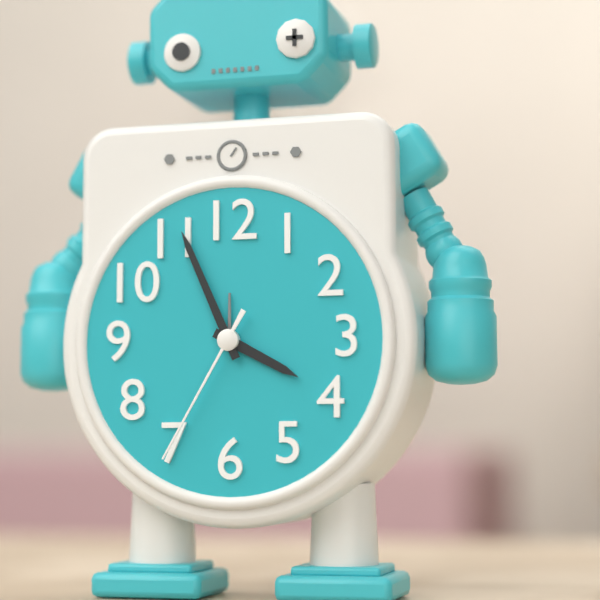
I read 3.56.35
